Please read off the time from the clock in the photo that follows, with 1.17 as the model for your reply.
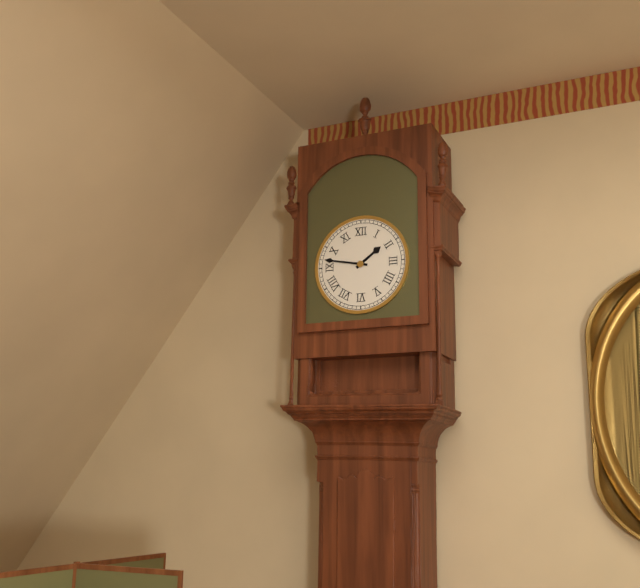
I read 1.47
